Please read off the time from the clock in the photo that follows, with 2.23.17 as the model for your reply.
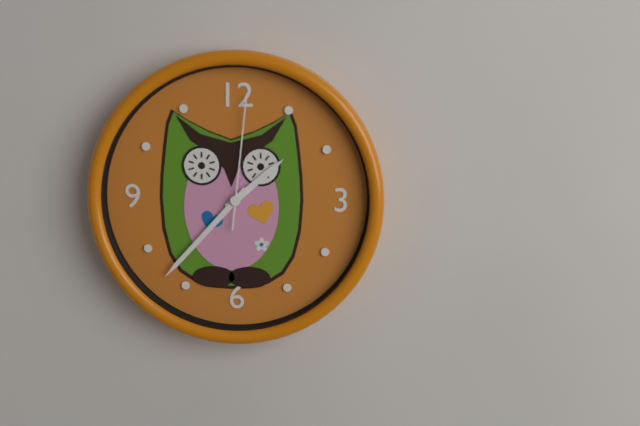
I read 1.37.01
